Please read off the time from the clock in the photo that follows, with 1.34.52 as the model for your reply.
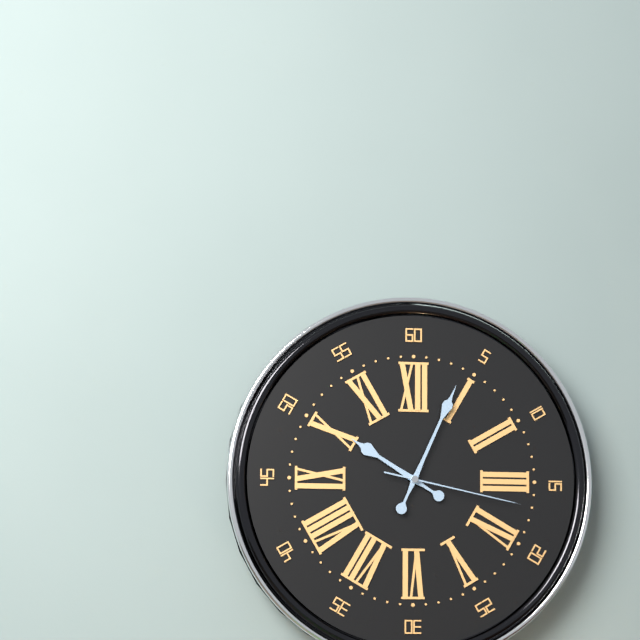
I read 10.04.17
